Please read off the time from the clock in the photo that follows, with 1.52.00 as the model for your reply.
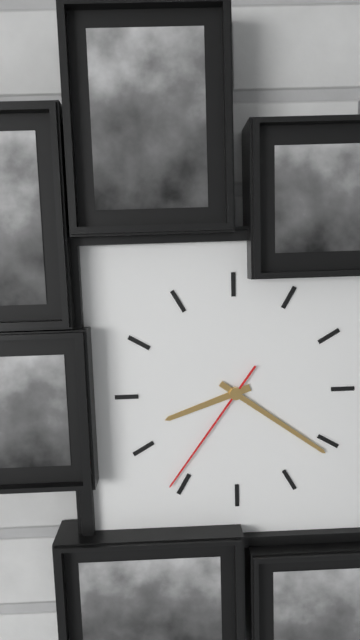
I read 8.21.36
